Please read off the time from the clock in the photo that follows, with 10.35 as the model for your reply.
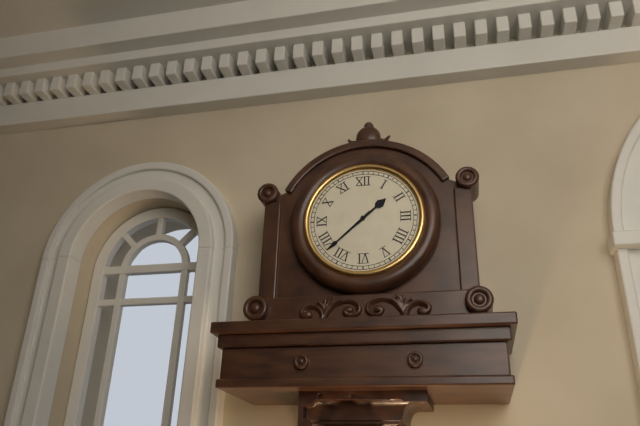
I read 1.38
